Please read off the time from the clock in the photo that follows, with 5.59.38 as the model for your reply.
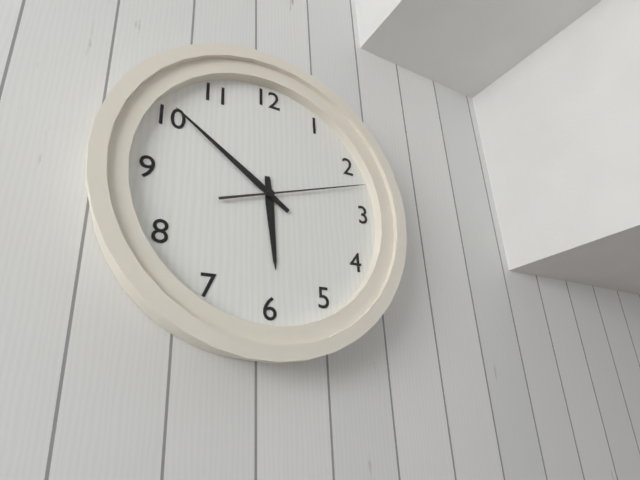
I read 5.51.12
